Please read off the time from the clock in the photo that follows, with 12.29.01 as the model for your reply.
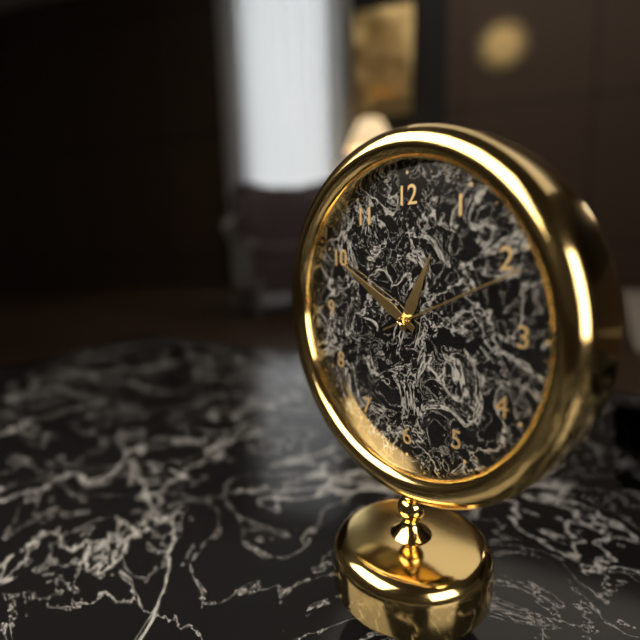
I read 12.50.11
